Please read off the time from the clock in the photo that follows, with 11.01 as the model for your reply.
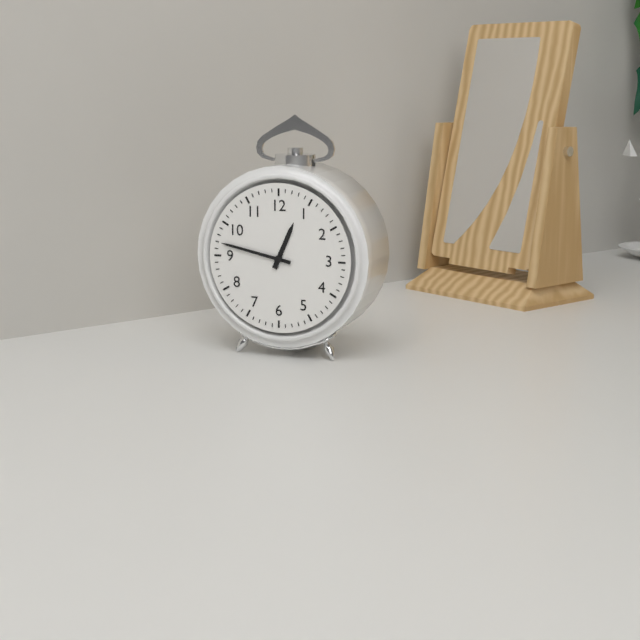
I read 12.47
